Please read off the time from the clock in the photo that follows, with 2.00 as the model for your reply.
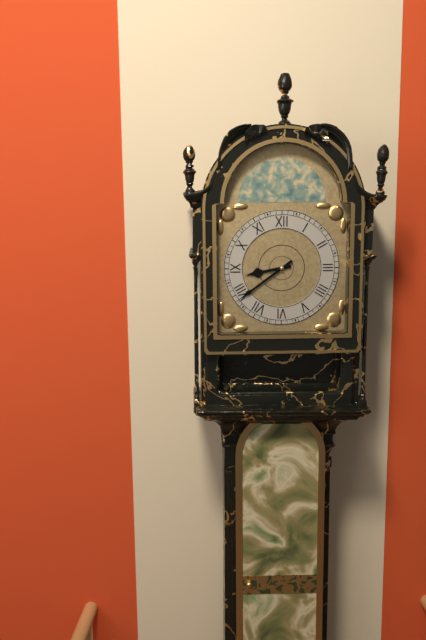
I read 8.39
